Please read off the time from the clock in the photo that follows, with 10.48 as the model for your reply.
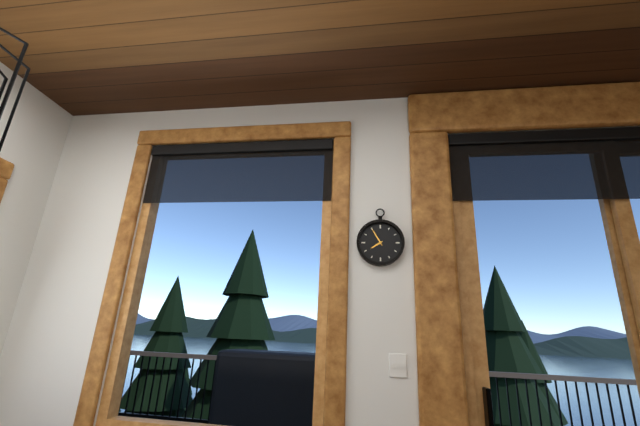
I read 7.55
